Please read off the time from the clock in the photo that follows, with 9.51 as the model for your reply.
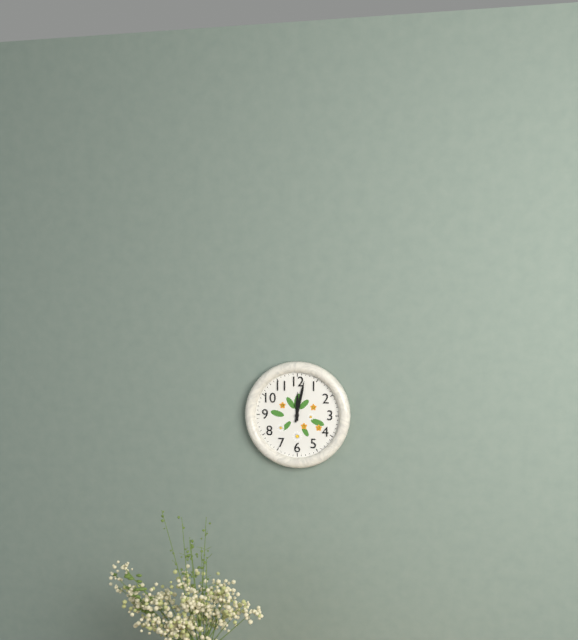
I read 12.02
